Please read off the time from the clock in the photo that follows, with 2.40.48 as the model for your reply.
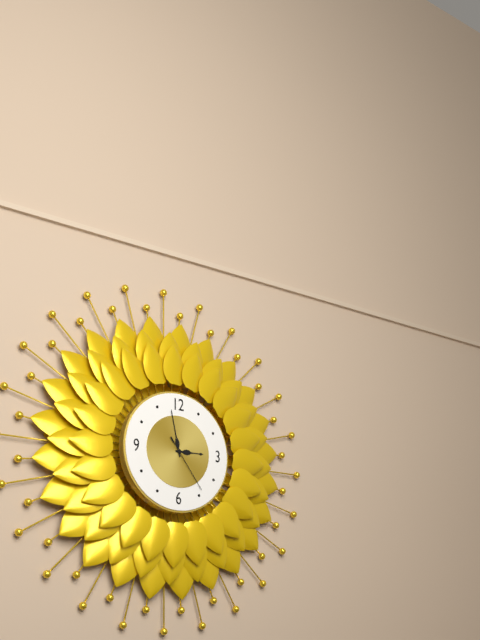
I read 2.58.24
